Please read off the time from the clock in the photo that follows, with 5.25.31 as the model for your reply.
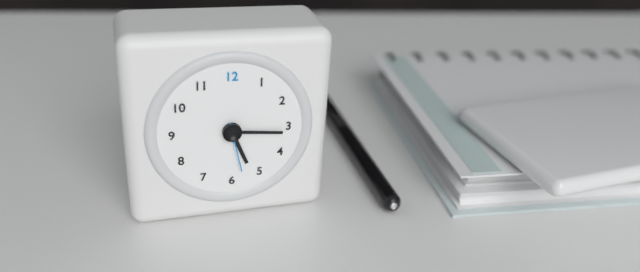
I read 5.16.28
